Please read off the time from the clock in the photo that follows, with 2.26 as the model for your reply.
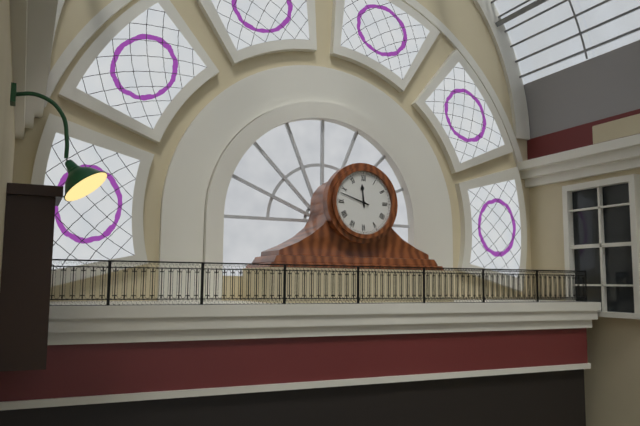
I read 11.48
